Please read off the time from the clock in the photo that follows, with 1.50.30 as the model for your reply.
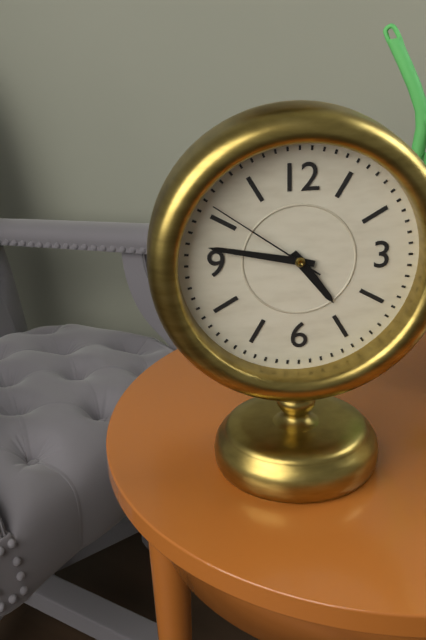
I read 4.47.51
